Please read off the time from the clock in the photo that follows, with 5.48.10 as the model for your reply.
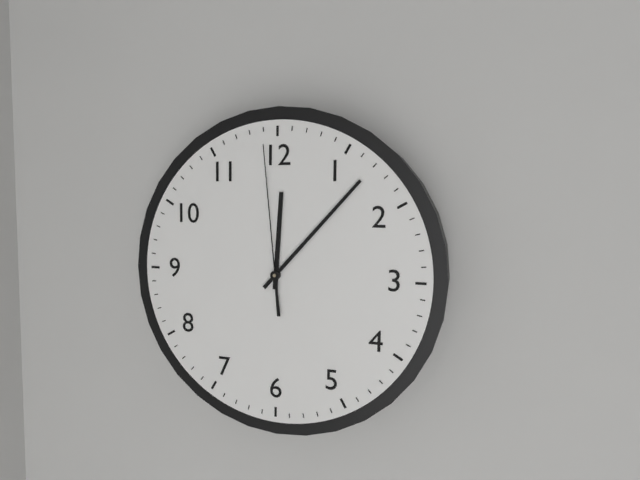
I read 12.07.59
